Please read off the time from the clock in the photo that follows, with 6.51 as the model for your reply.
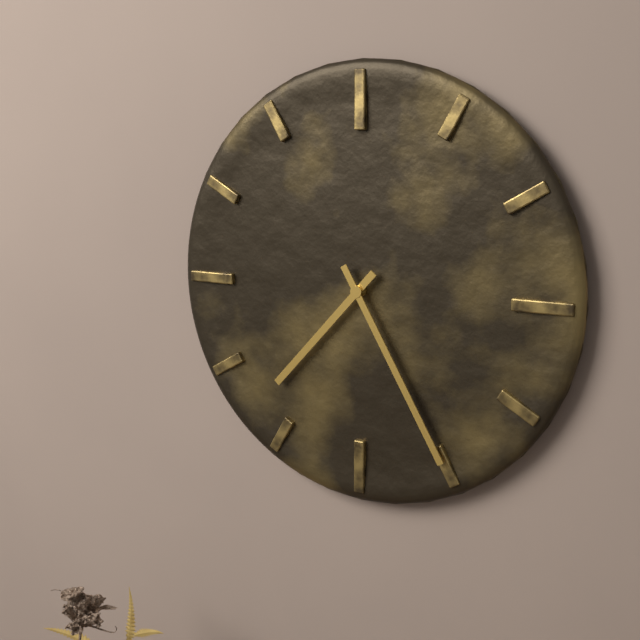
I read 7.25
